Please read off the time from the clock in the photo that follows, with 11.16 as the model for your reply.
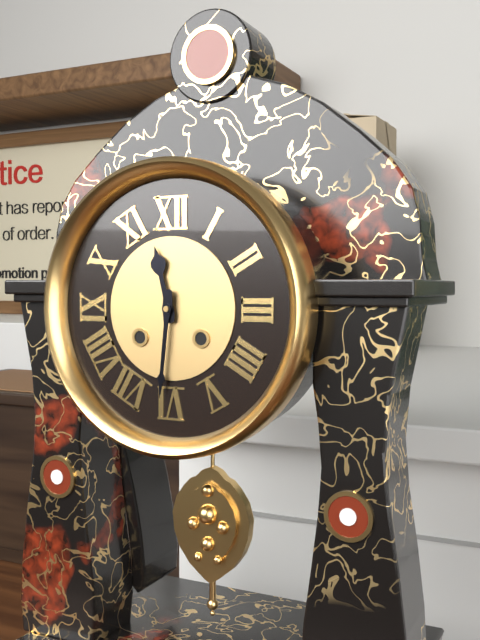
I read 11.31
